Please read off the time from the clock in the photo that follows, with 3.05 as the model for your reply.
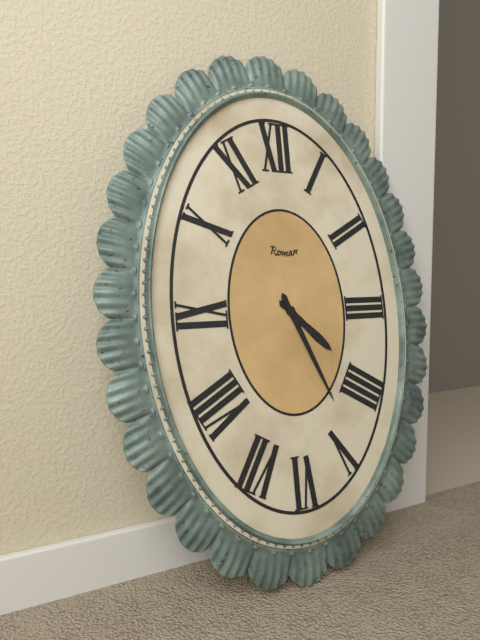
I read 4.26
